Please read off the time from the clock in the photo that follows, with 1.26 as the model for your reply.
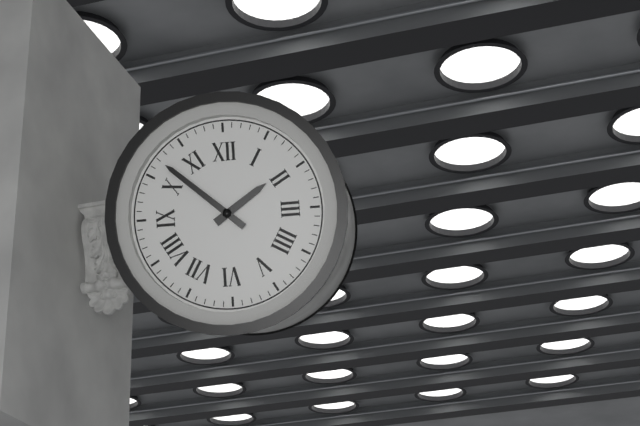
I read 1.52
